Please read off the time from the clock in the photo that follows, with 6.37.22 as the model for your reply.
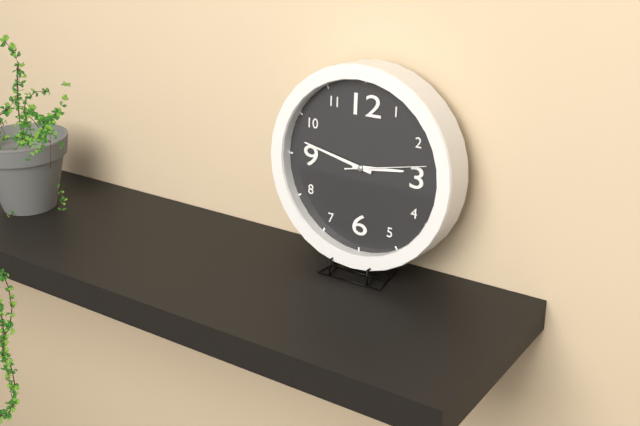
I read 2.47.13
